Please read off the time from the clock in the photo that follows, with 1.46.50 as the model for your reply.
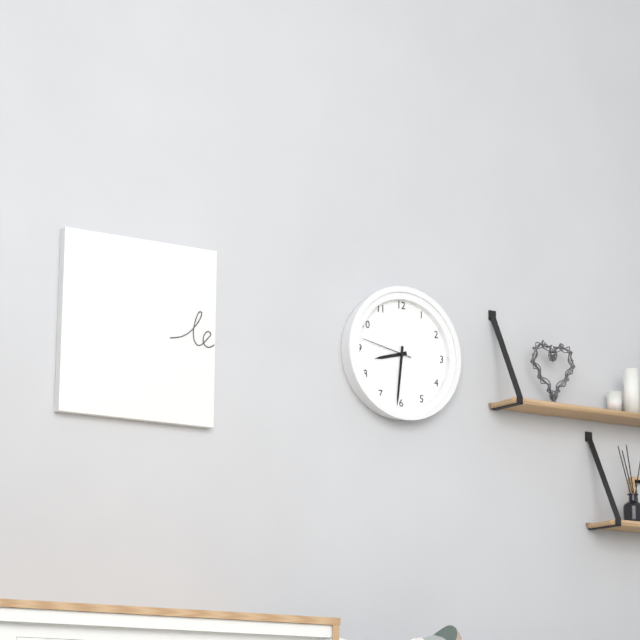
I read 8.31.47
